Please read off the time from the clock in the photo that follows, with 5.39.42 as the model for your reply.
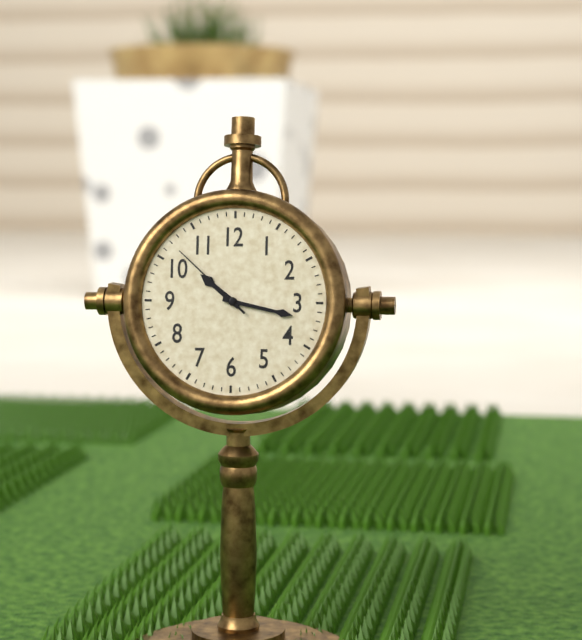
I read 10.17.52
